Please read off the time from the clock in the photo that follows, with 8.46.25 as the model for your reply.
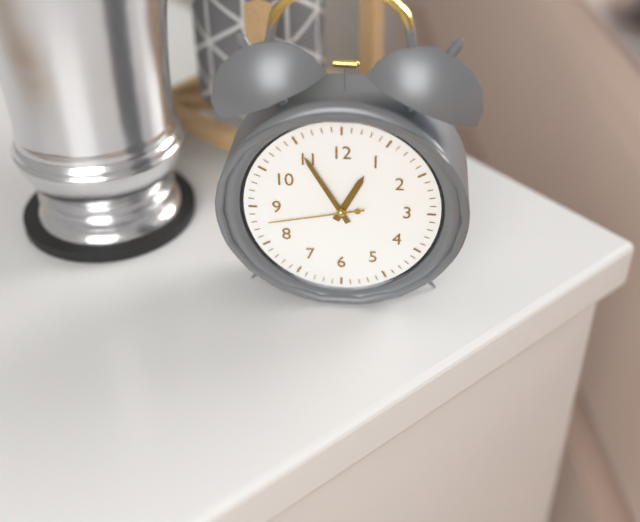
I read 12.55.43
